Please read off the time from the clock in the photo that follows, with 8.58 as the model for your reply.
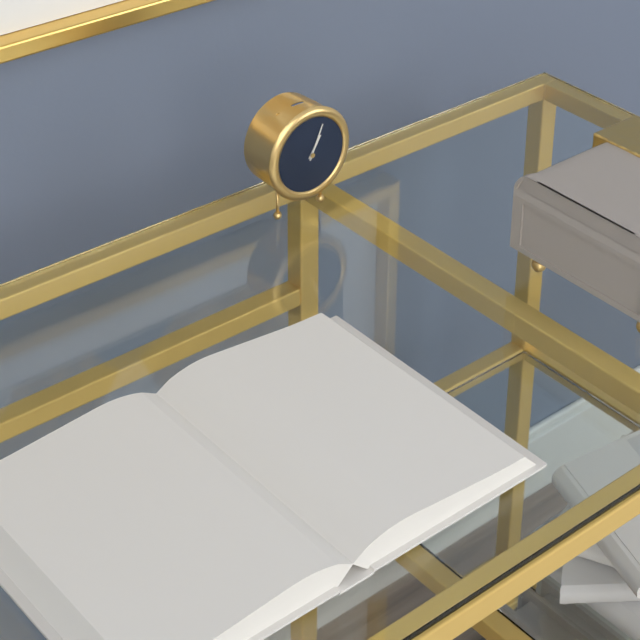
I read 1.04
